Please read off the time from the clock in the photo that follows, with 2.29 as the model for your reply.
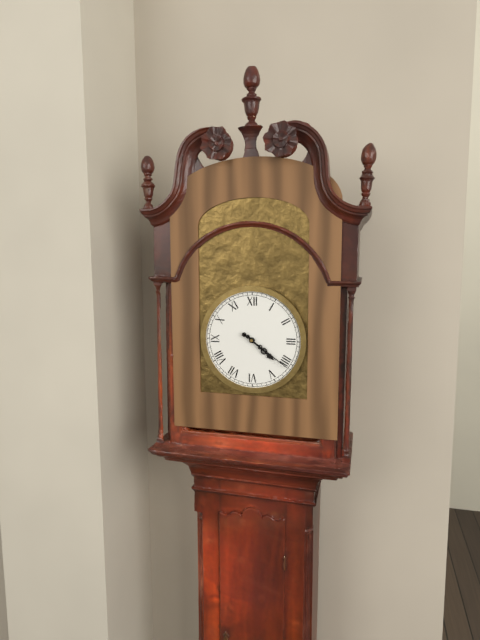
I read 4.21
